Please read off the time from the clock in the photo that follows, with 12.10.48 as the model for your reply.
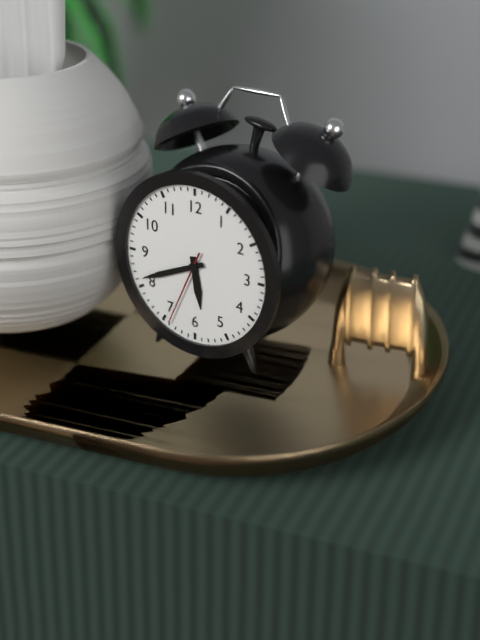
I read 5.41.34
